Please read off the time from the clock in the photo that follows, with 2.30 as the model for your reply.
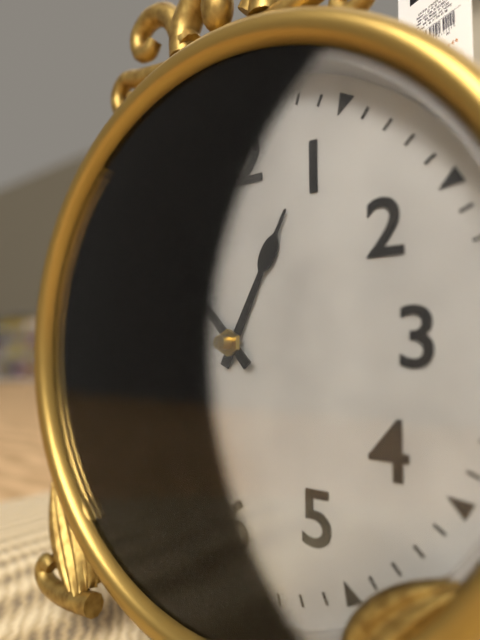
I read 12.53
